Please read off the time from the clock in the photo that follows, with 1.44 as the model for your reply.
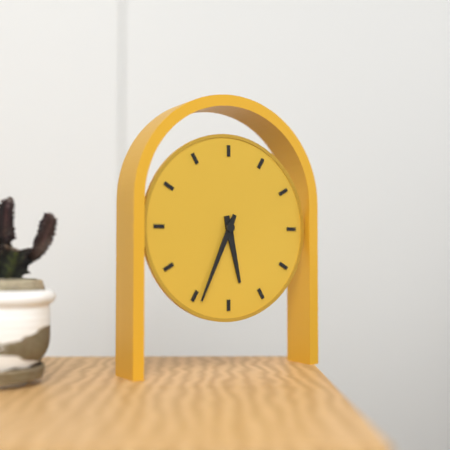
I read 5.34
